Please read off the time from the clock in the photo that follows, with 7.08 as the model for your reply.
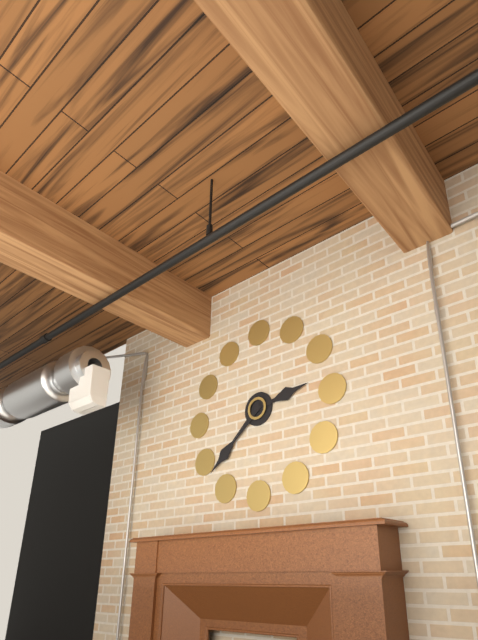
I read 2.38
